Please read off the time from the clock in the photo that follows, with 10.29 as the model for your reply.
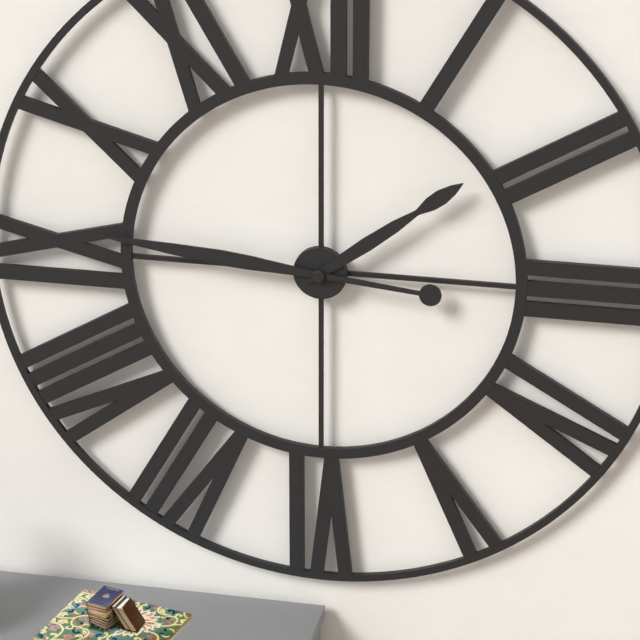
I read 1.46
